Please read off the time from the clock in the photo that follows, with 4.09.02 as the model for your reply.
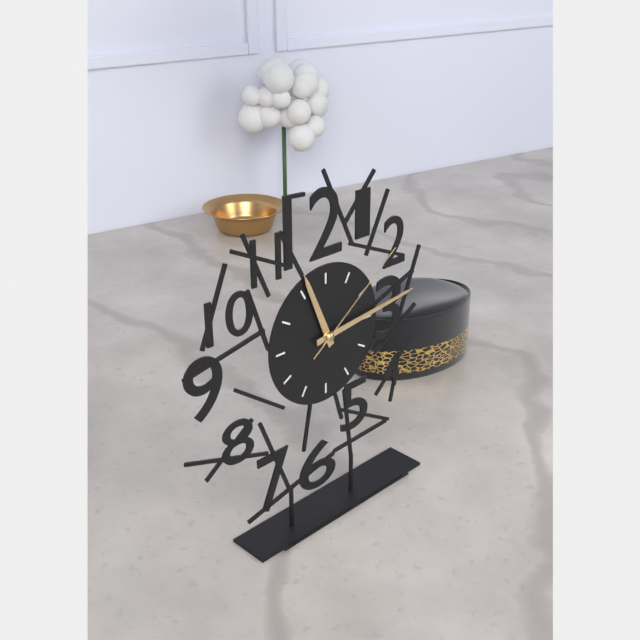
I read 11.14.09
